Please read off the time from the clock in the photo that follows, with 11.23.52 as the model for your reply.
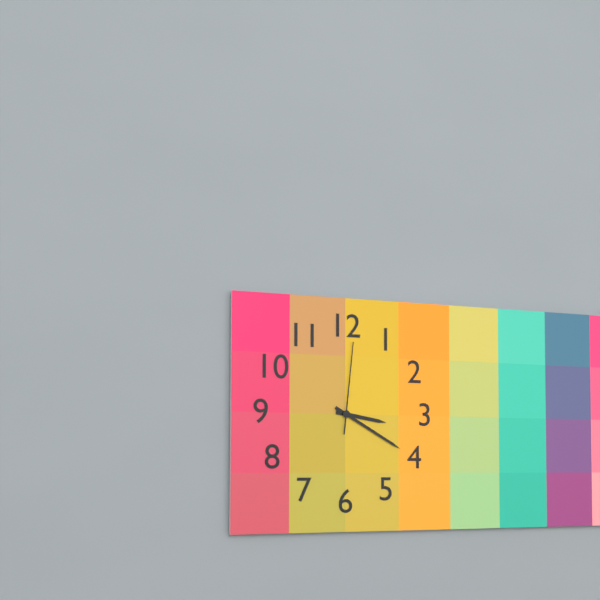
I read 3.20.01
